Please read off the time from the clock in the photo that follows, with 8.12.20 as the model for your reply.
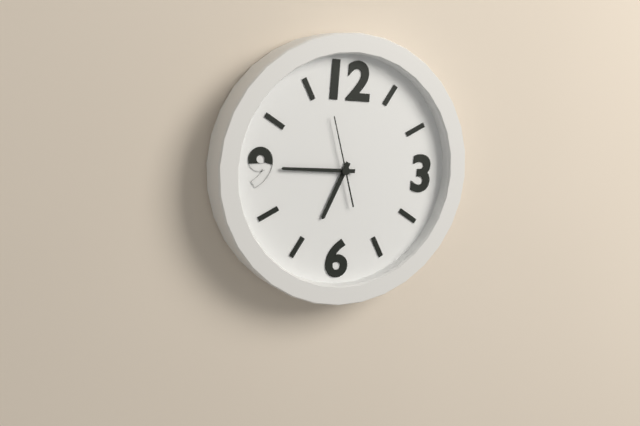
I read 6.45.57
